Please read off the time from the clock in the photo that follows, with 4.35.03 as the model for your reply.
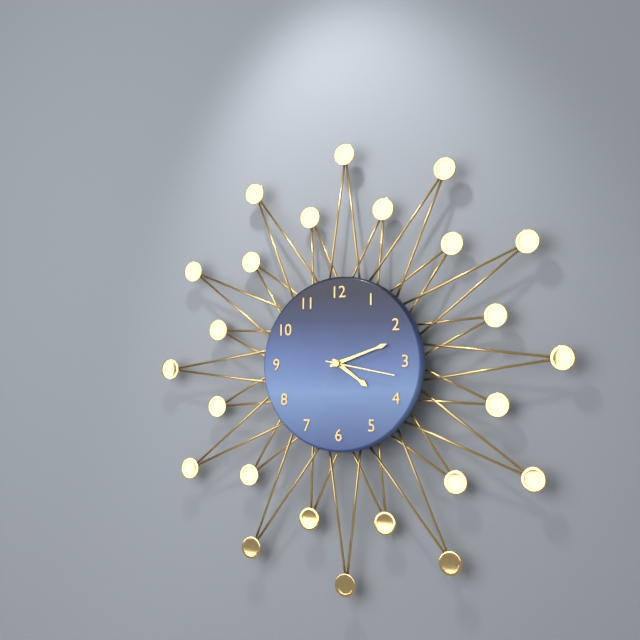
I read 4.12.17
